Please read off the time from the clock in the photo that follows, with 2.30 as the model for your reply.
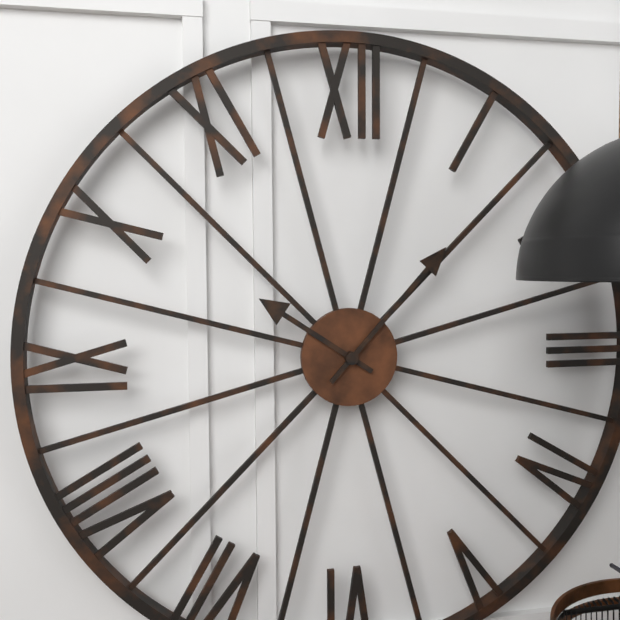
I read 10.07
